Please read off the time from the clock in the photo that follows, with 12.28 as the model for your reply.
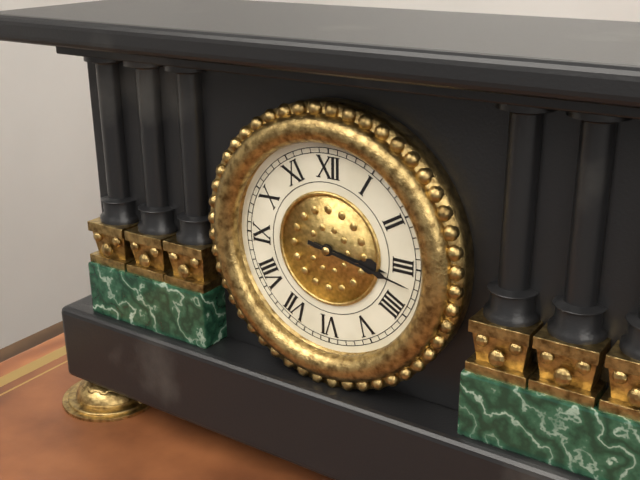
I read 3.17
